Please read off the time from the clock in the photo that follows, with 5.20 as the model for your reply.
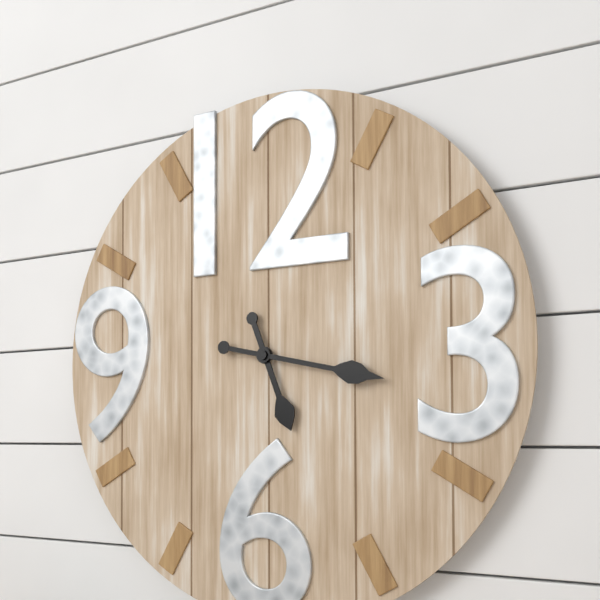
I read 5.17
